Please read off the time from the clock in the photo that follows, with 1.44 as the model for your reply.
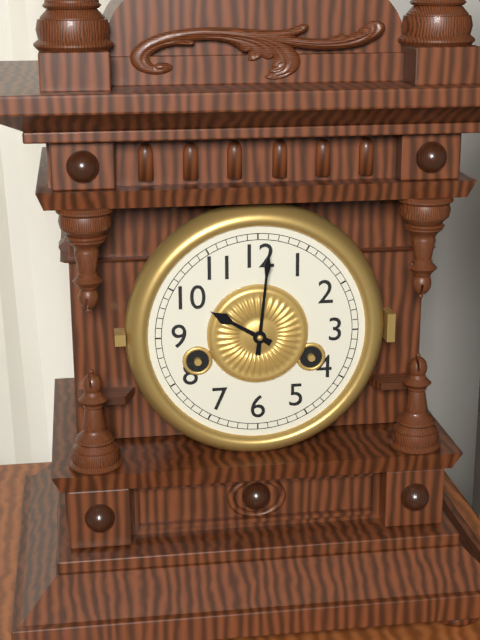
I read 10.01
